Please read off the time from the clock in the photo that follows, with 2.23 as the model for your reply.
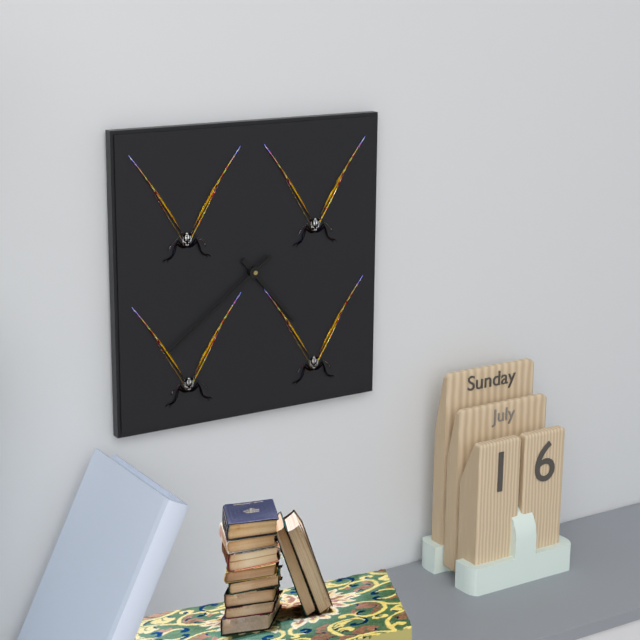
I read 4.39
